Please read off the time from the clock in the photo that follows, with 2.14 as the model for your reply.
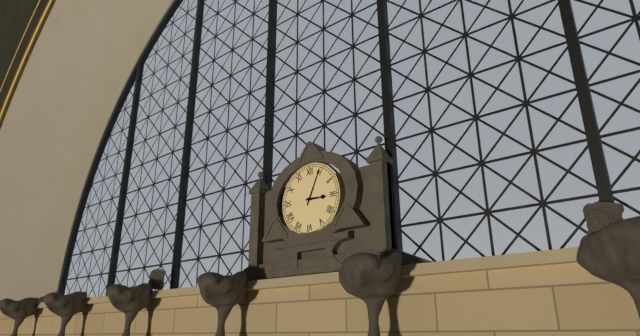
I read 3.04
